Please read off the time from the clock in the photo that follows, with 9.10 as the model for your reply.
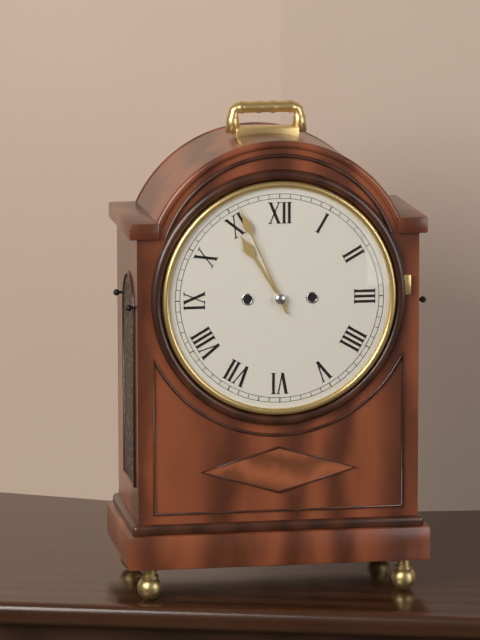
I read 10.56
